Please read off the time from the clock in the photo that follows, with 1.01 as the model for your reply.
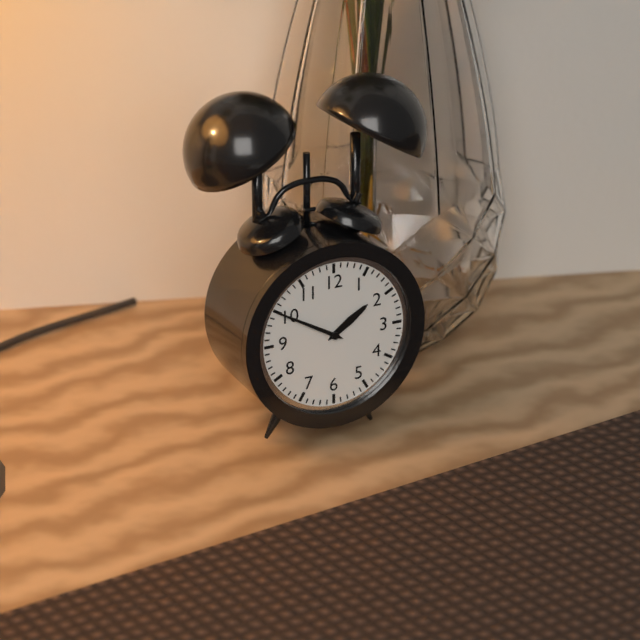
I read 1.50
